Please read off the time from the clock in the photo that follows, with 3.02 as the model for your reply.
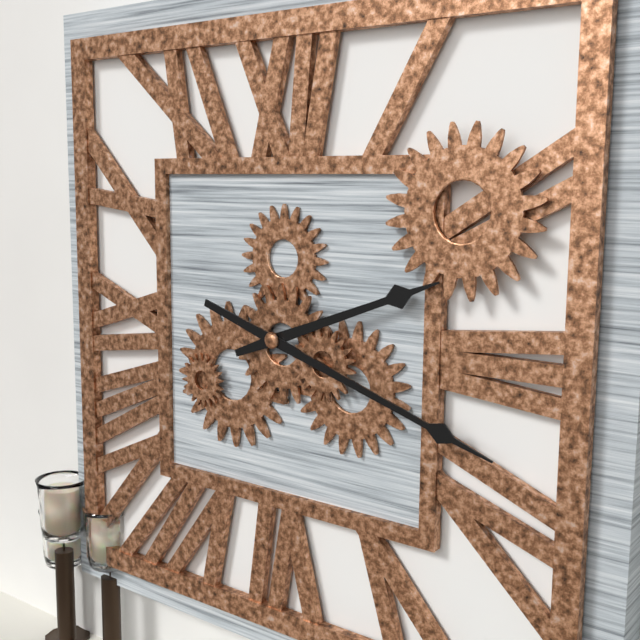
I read 2.18
